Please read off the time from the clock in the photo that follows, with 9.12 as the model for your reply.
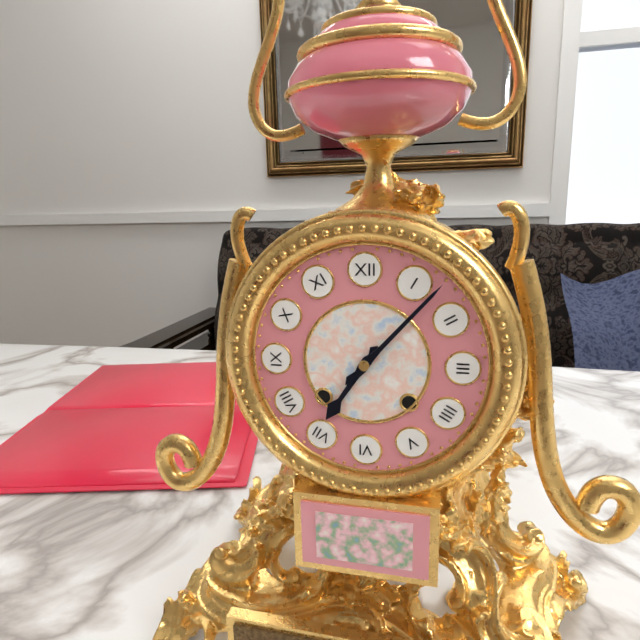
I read 7.07
